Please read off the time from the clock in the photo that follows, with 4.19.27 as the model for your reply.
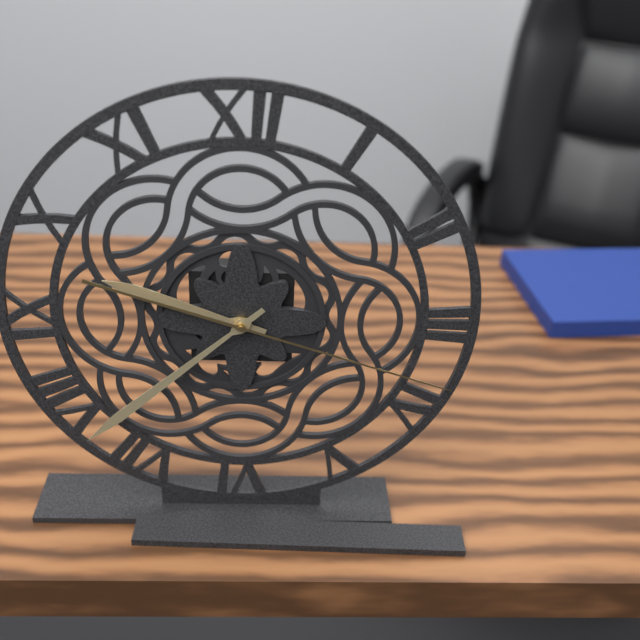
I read 9.38.18
